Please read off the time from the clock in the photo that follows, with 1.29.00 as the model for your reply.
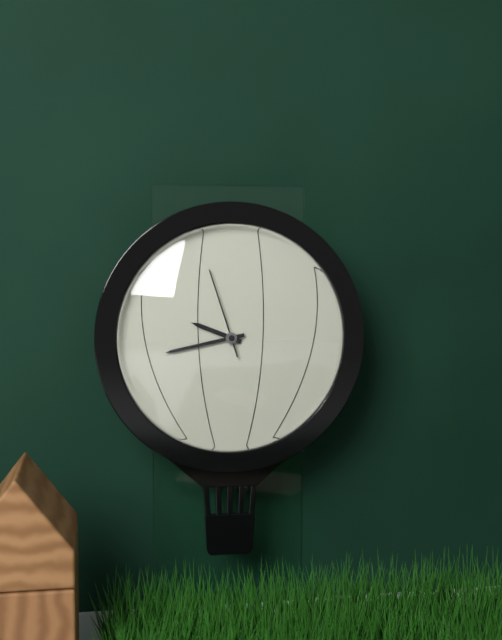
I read 9.43.57
